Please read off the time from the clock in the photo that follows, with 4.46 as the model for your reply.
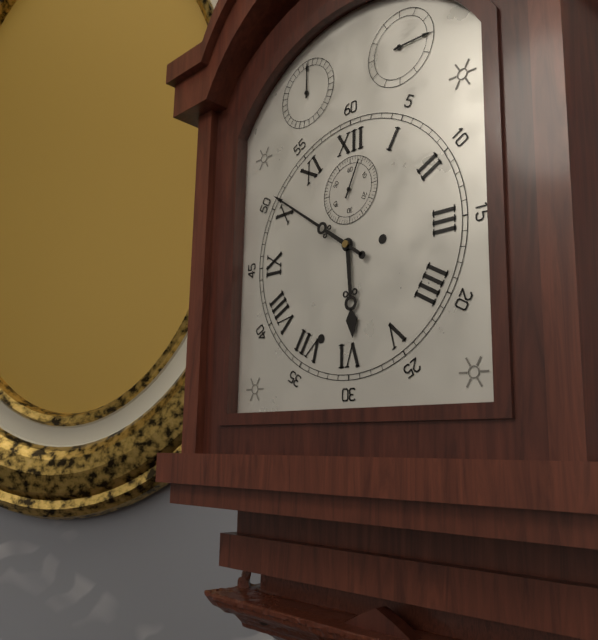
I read 5.51
